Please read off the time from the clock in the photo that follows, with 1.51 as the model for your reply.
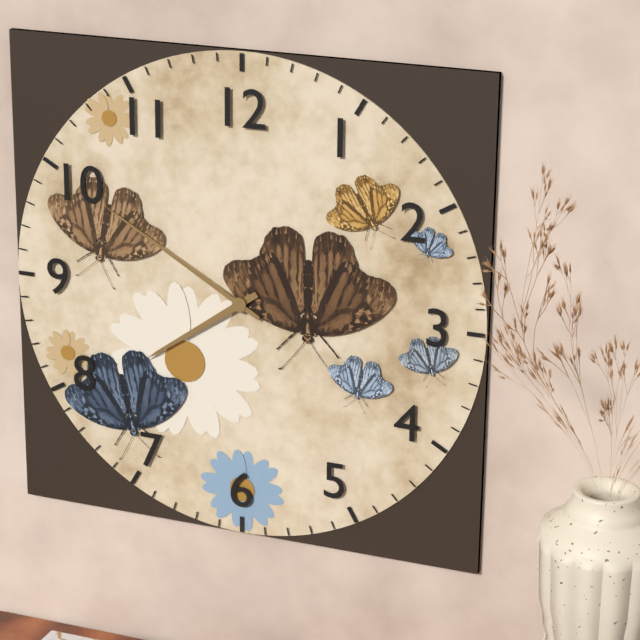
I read 7.50
